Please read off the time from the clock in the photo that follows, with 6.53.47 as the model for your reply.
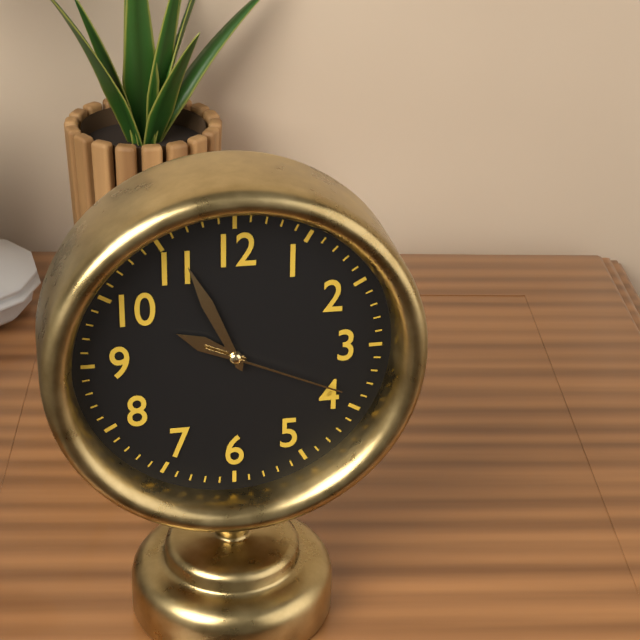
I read 9.56.19
